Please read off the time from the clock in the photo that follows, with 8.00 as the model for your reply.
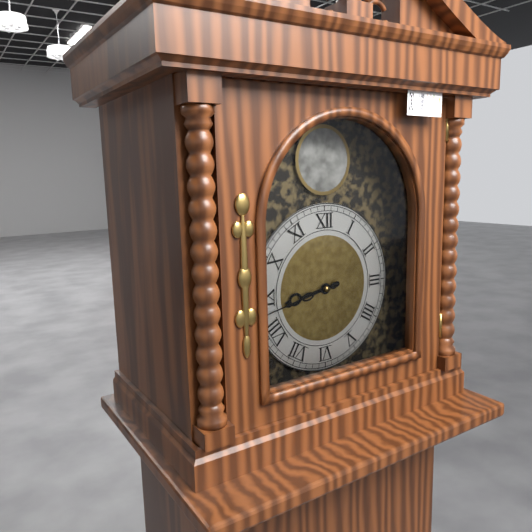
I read 8.43
